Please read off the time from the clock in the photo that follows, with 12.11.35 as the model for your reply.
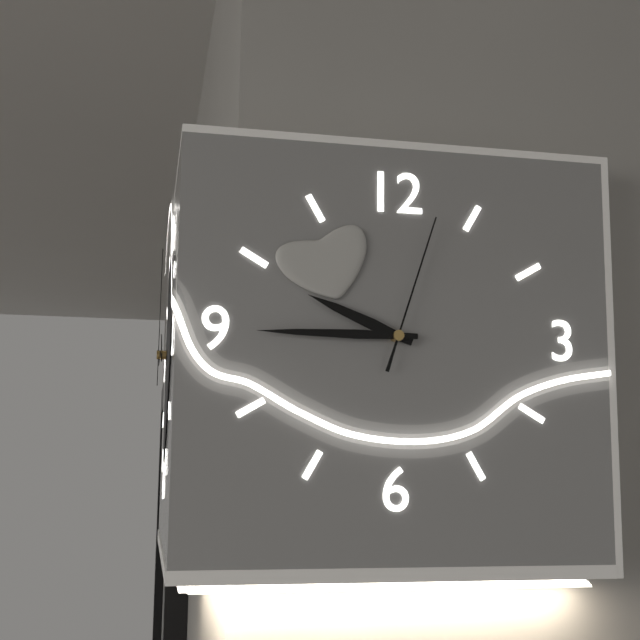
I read 9.45.03
